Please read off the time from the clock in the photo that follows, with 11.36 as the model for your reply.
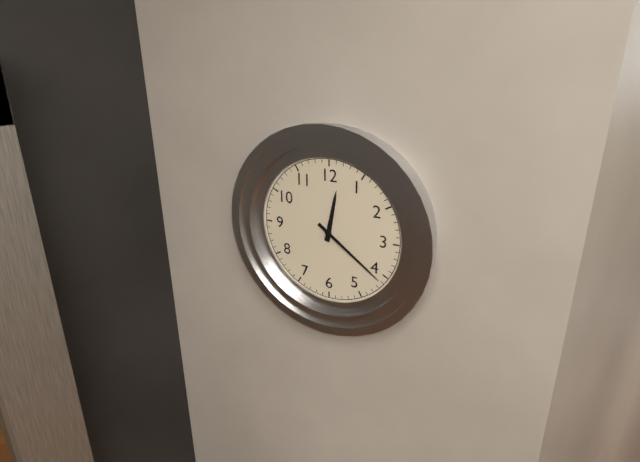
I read 12.21
